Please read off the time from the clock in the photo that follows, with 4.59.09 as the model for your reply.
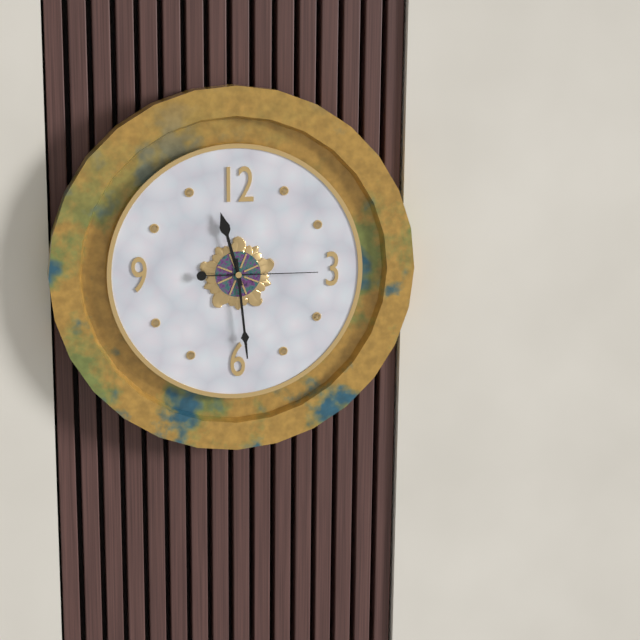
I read 11.29.15
